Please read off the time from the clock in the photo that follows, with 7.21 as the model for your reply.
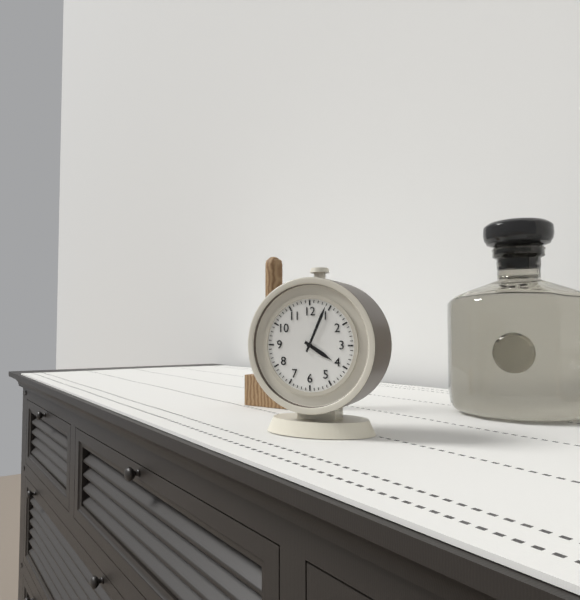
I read 4.04
